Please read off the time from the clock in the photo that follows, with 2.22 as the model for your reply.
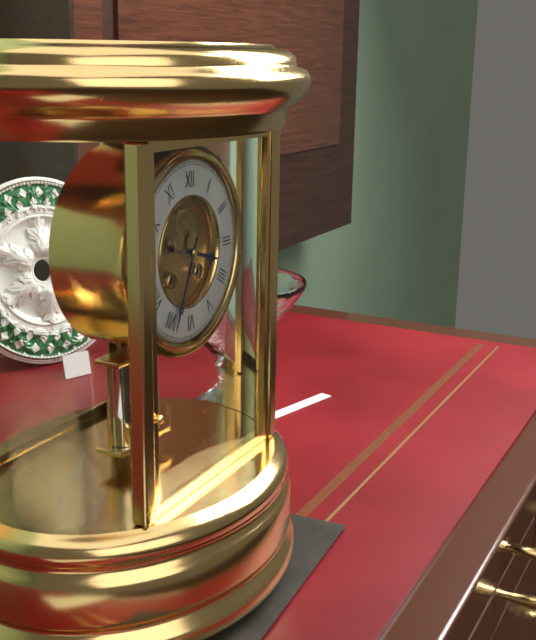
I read 3.34
